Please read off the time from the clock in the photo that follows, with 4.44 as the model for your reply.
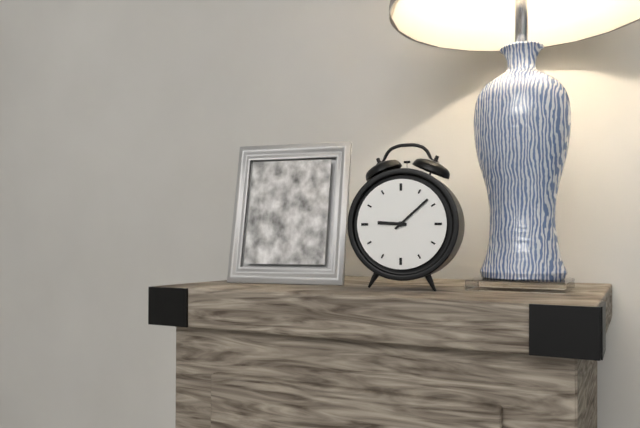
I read 9.08
